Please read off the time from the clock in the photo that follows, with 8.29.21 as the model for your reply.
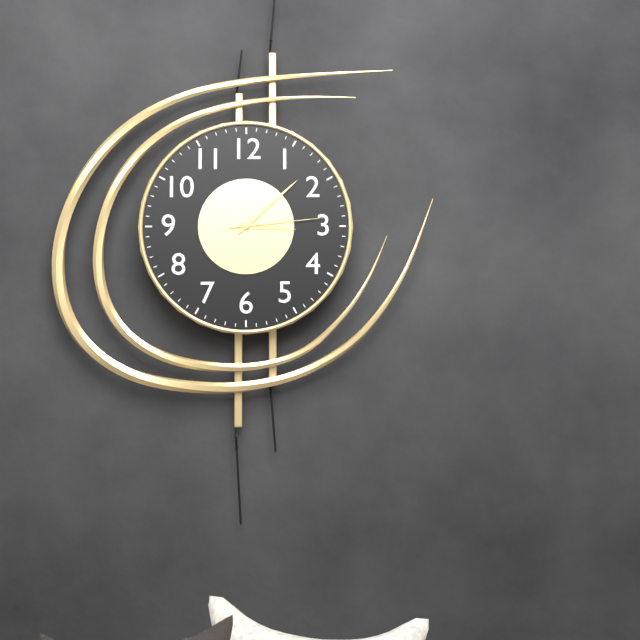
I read 3.08.14
